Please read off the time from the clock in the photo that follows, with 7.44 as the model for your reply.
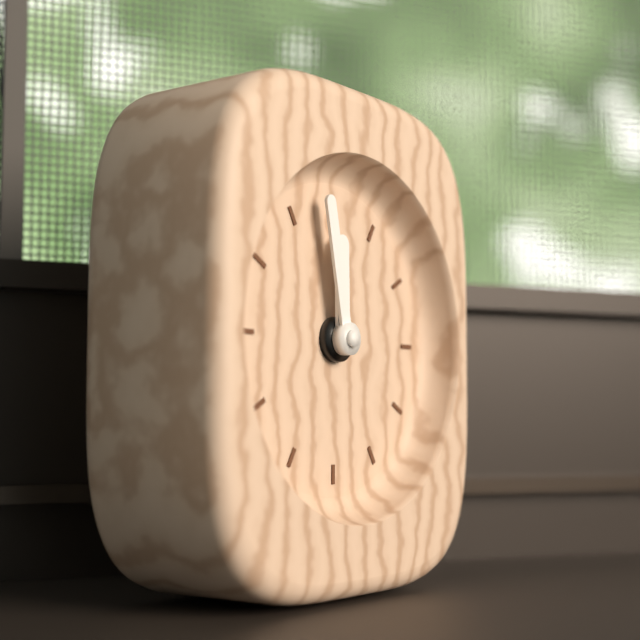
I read 11.58
